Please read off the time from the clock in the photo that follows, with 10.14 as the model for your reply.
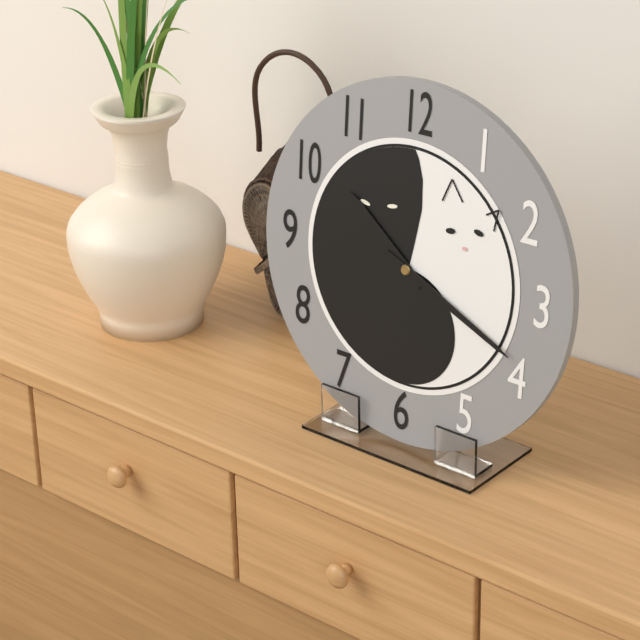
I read 10.19
